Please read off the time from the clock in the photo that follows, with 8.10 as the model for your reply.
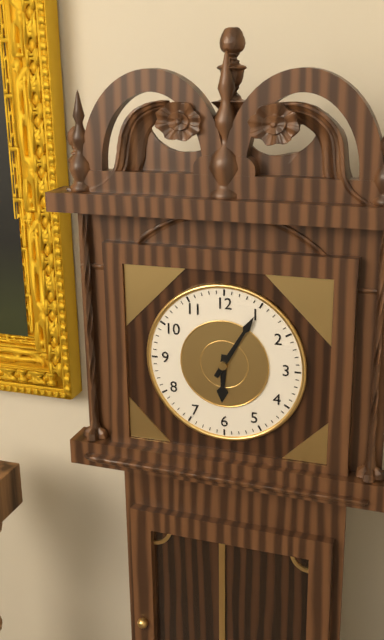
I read 6.05
